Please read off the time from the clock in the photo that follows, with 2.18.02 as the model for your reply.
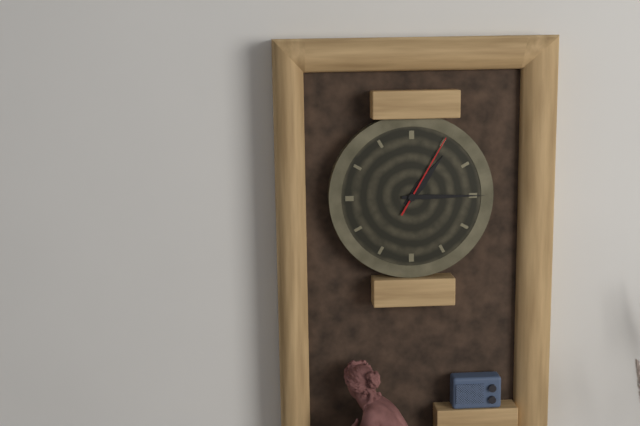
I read 1.15.05
